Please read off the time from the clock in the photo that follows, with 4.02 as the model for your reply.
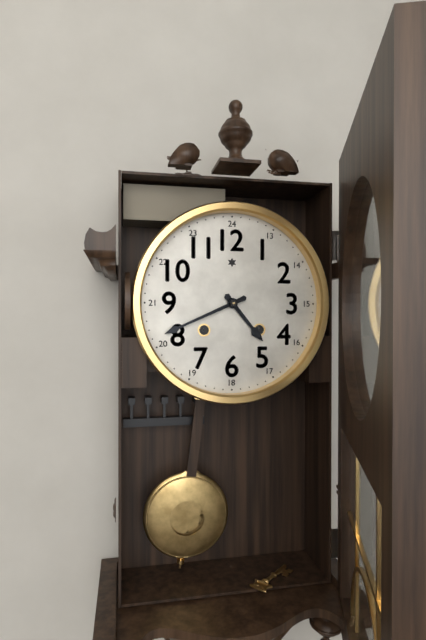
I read 4.41
